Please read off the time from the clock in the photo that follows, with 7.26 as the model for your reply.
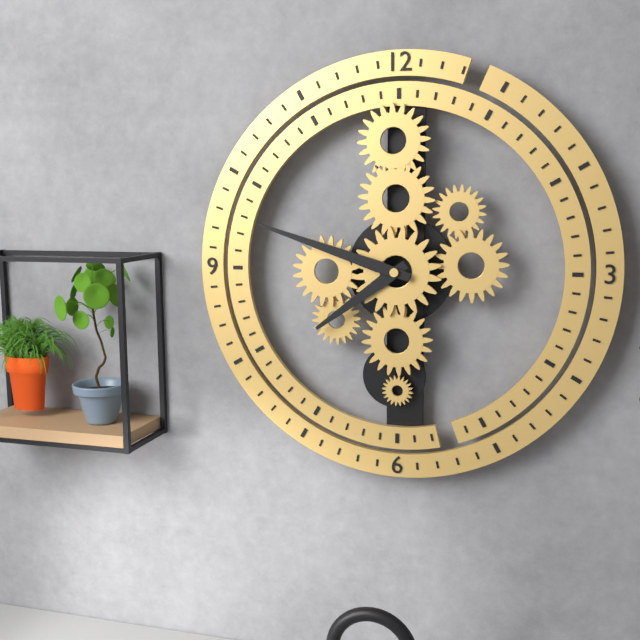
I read 7.48
